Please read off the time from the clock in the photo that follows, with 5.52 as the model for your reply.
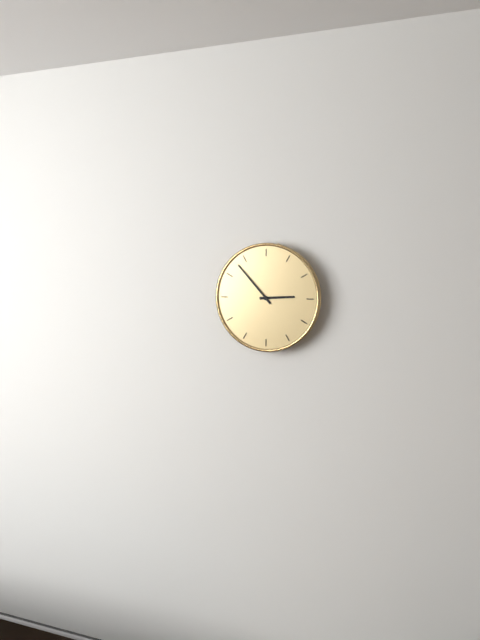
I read 2.53
